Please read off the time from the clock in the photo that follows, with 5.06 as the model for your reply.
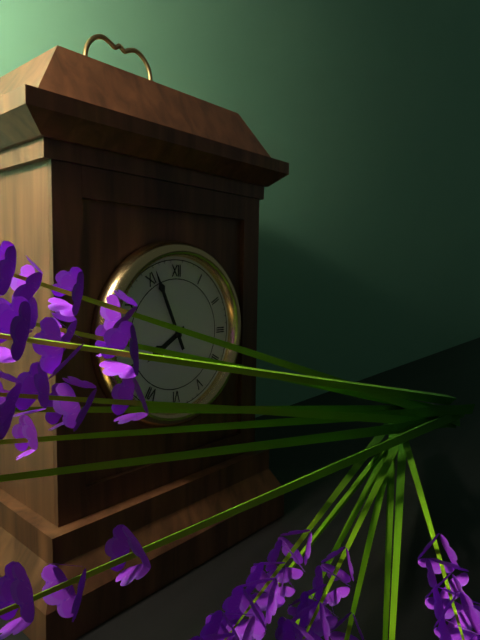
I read 7.56
